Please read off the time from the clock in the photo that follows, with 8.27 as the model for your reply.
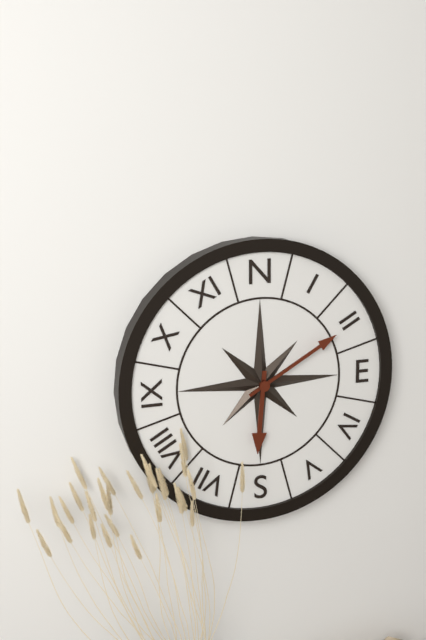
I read 6.10
